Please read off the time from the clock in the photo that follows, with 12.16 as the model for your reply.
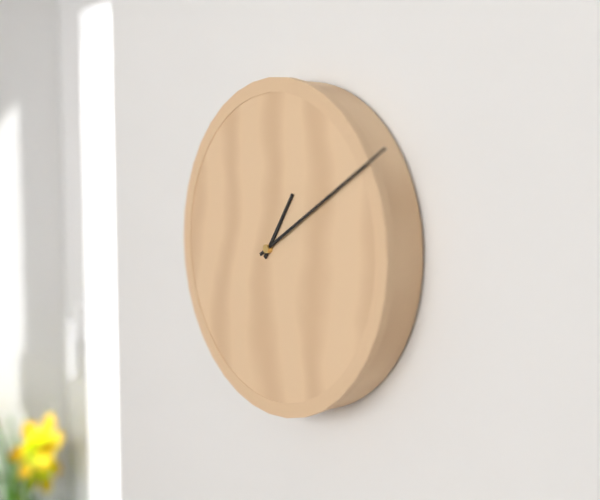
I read 1.10
